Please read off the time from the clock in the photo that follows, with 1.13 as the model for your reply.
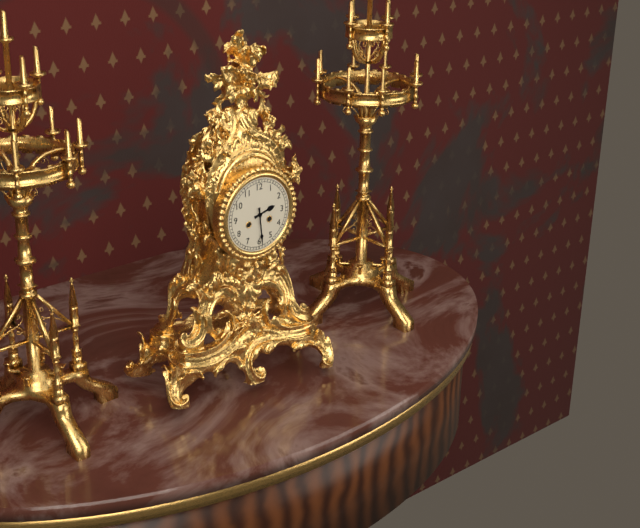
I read 2.29
